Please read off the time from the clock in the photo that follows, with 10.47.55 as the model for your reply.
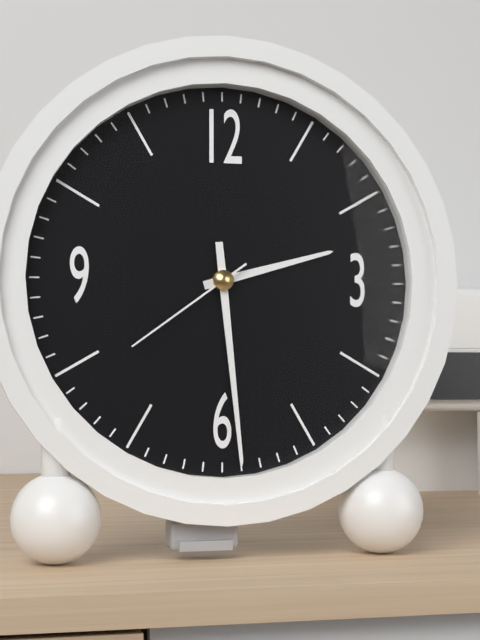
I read 2.29.39
